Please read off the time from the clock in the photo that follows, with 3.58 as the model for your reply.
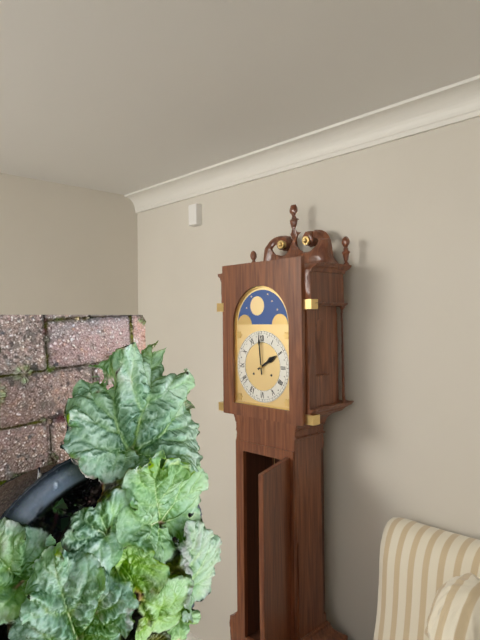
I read 1.59
